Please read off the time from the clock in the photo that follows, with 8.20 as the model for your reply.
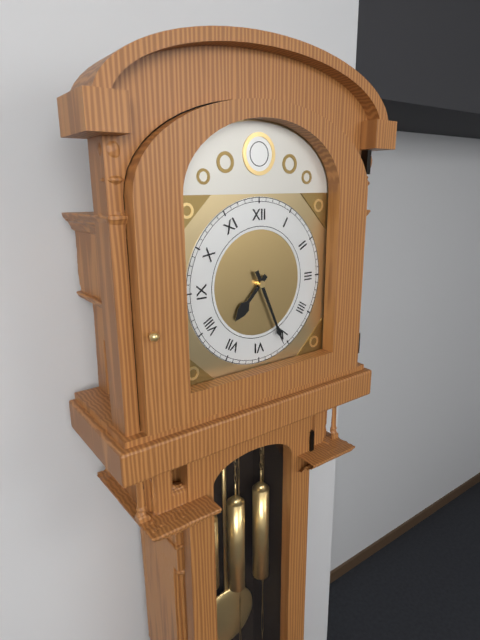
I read 7.26
